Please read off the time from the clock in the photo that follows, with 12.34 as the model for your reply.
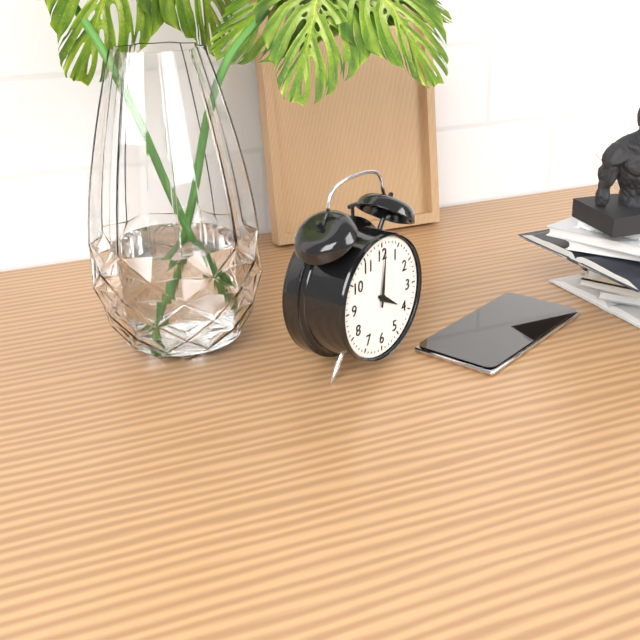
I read 4.01
